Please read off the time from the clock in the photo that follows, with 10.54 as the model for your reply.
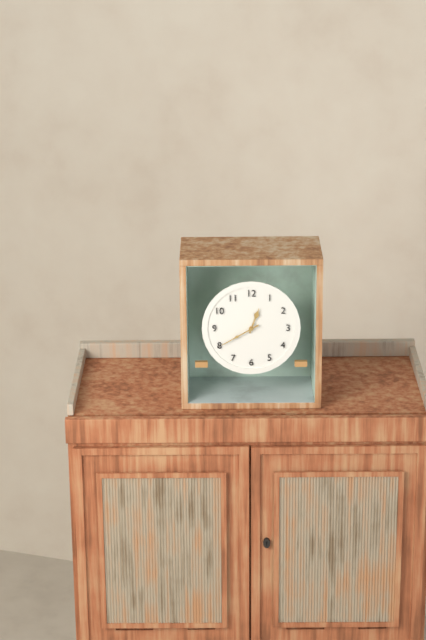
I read 12.40
